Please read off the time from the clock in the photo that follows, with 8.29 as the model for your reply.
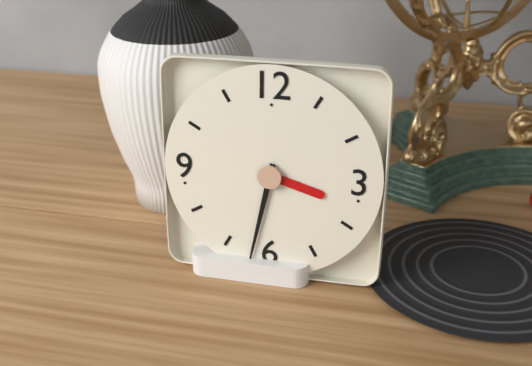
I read 3.32
